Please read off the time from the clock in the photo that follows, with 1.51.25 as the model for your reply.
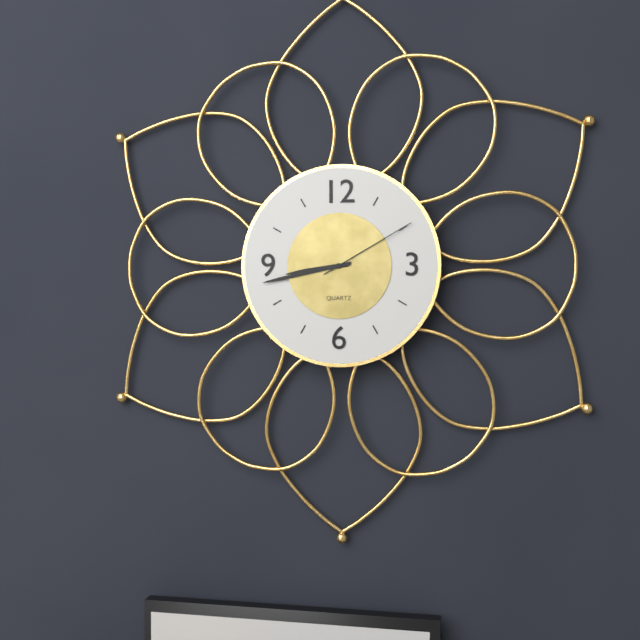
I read 8.43.10
